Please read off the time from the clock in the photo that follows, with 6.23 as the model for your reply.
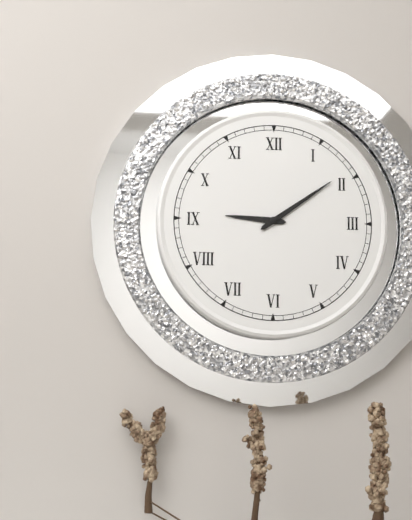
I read 9.09
